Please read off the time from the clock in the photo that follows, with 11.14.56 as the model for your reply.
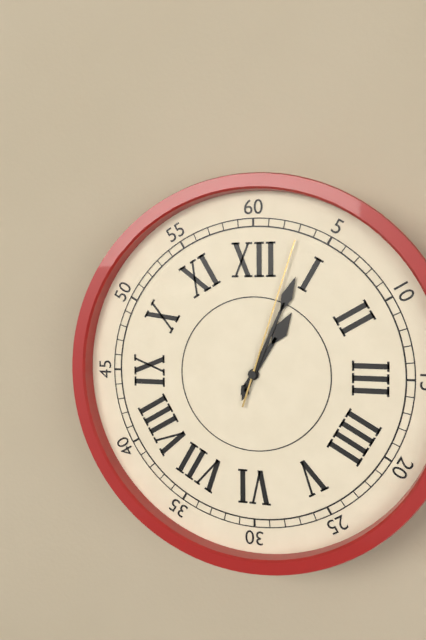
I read 1.04.03
